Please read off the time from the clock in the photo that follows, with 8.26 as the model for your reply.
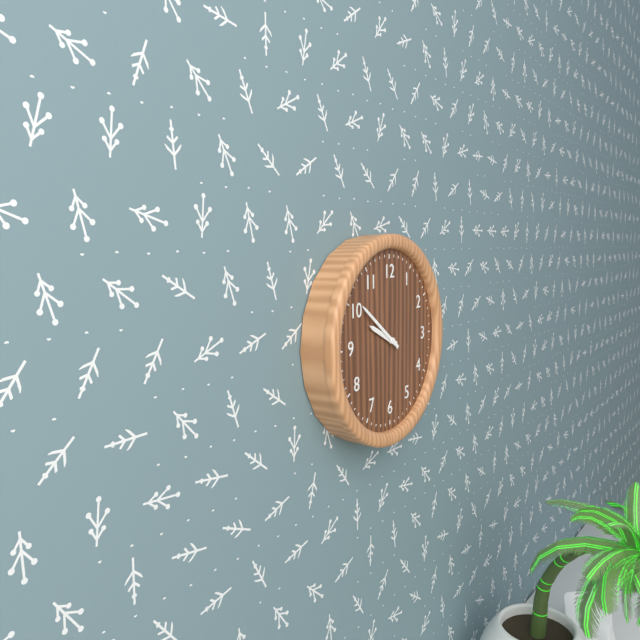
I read 9.51
